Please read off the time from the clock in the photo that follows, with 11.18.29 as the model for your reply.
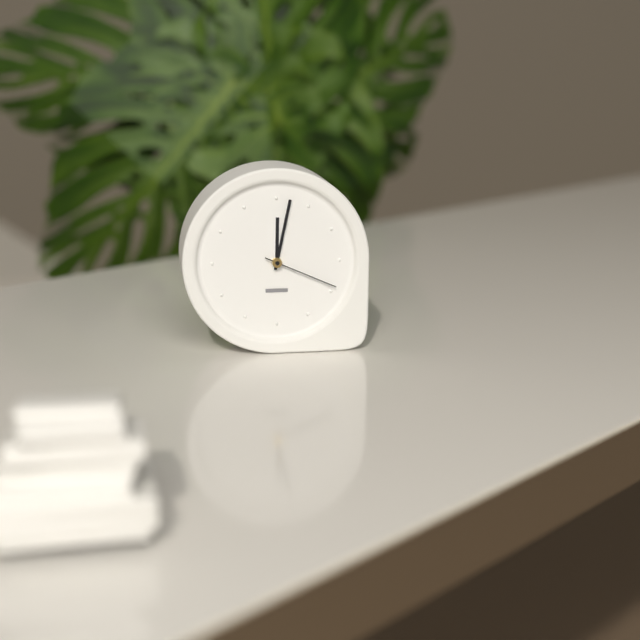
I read 12.02.19
